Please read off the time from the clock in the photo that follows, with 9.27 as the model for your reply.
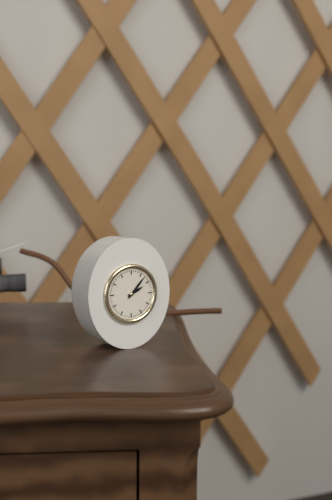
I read 2.07
